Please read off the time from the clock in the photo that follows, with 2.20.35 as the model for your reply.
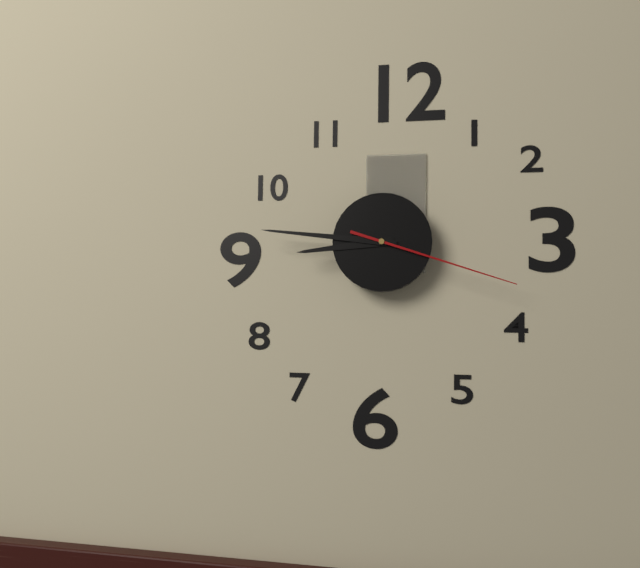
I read 8.46.18
